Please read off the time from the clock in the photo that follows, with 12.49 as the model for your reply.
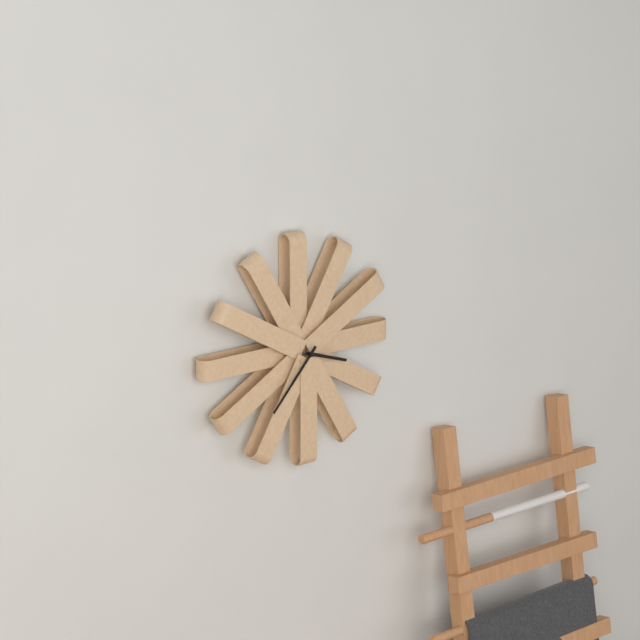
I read 3.37
